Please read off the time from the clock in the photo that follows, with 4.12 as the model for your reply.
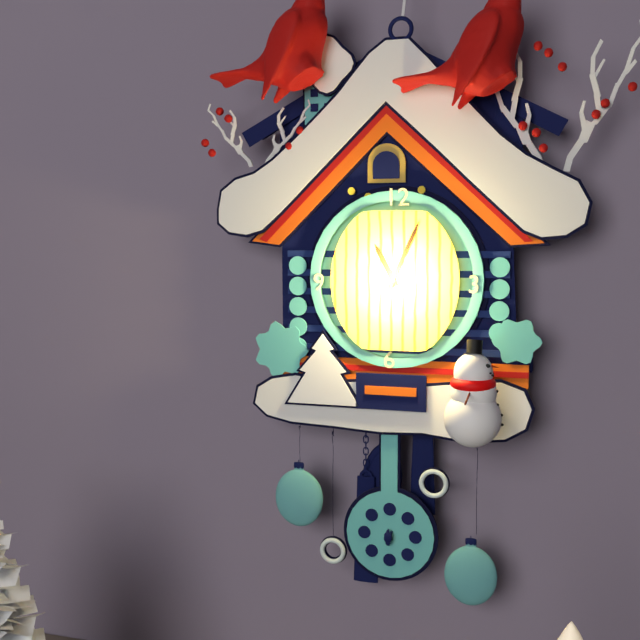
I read 11.04
